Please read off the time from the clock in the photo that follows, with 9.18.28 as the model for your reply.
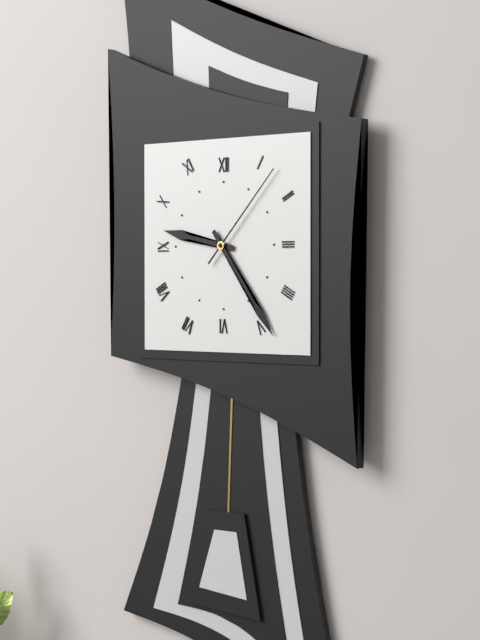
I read 9.24.07
